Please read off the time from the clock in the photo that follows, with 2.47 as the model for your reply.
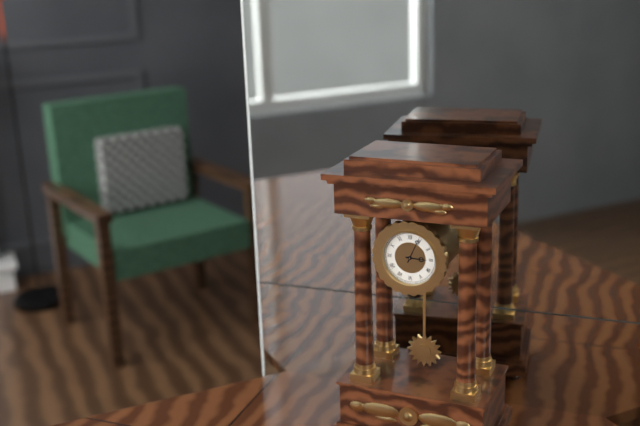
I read 3.04
